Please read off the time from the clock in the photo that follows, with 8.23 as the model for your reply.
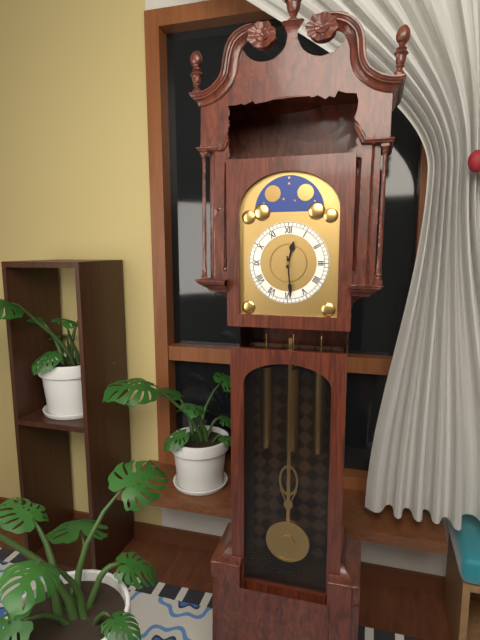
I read 12.29
